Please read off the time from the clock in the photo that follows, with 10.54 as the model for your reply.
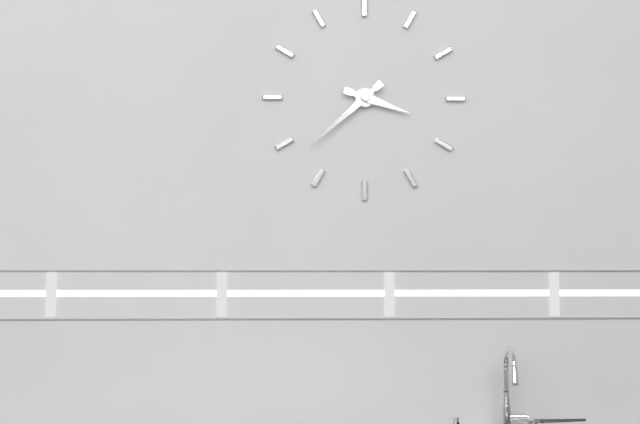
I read 3.38
